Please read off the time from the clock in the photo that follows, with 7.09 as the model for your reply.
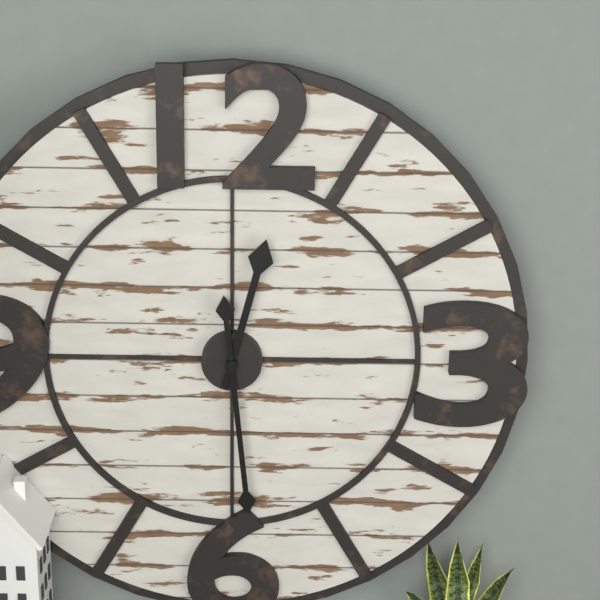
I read 12.29
